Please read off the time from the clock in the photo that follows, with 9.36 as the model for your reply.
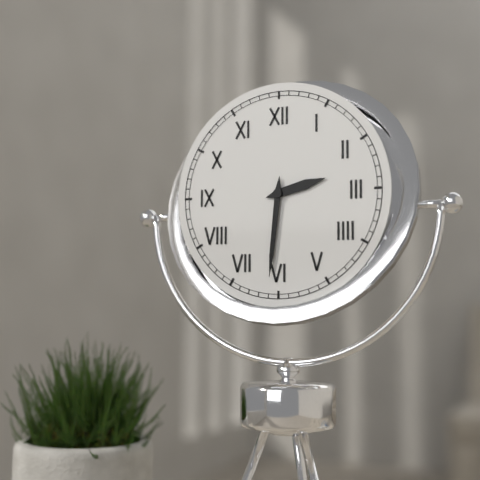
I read 2.31
